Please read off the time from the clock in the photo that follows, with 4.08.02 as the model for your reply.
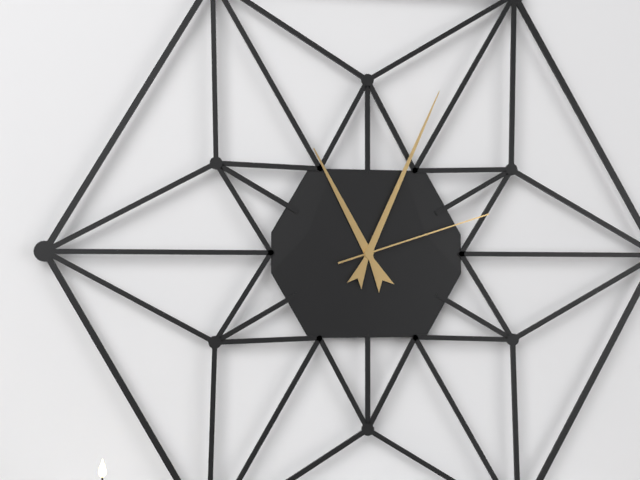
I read 11.04.12
